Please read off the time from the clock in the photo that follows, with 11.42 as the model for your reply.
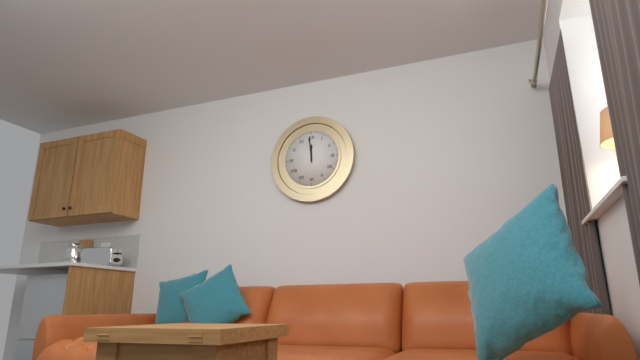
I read 11.59
